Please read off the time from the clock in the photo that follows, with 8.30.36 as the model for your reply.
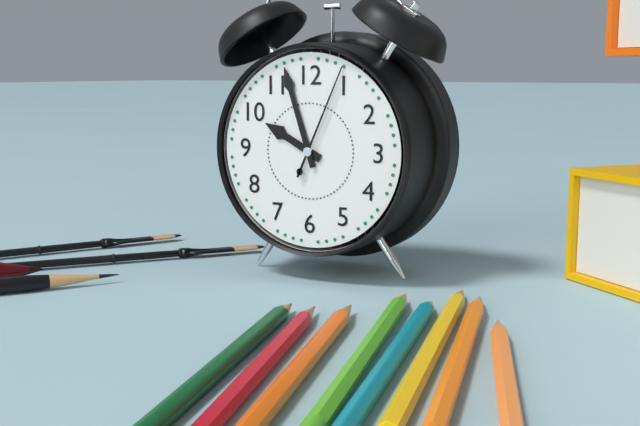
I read 9.57.04
